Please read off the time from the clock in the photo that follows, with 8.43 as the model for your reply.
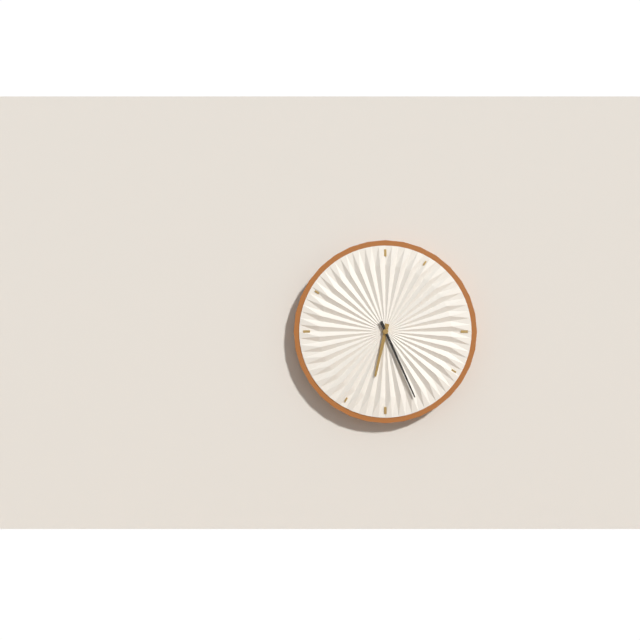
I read 6.26
